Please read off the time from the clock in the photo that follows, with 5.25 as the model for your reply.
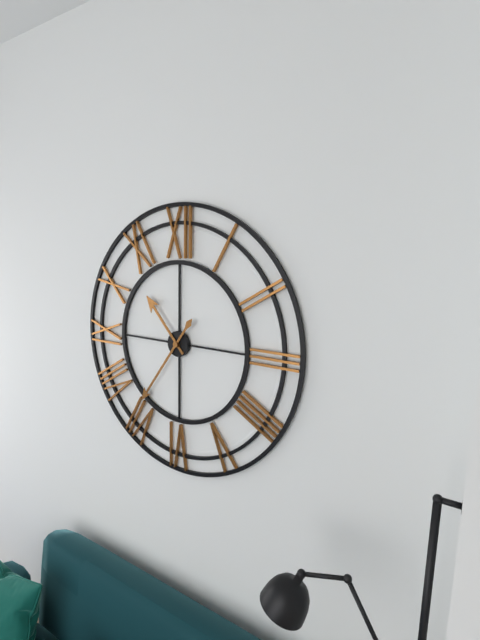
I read 10.36
